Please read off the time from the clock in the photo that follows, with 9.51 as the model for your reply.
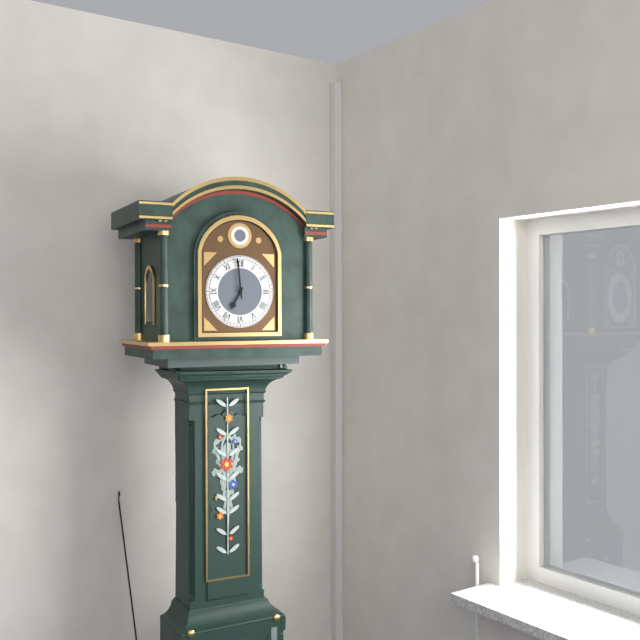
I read 6.59
